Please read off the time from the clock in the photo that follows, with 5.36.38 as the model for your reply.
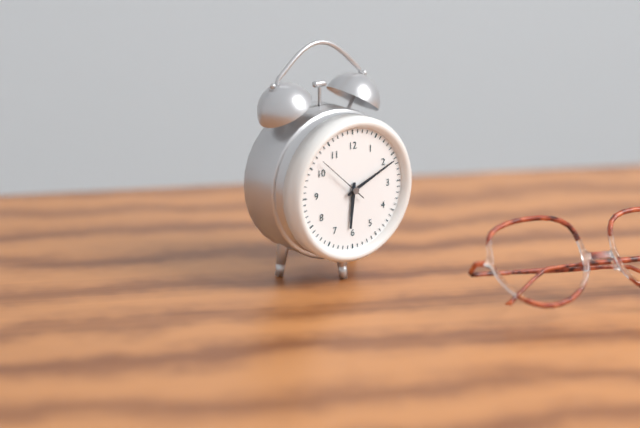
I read 6.11.52
